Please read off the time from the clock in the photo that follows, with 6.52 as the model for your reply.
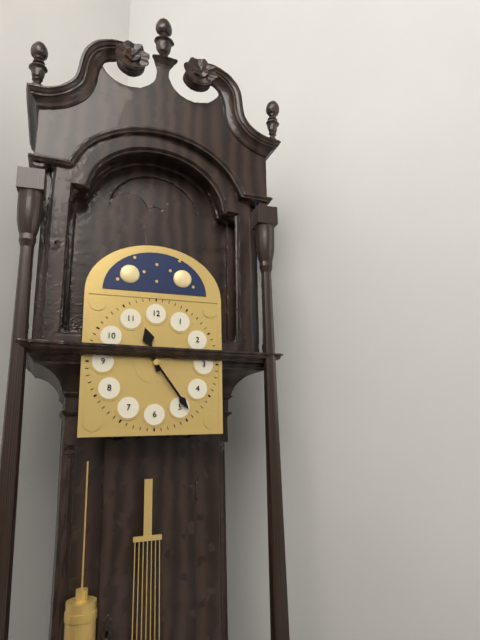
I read 11.24
